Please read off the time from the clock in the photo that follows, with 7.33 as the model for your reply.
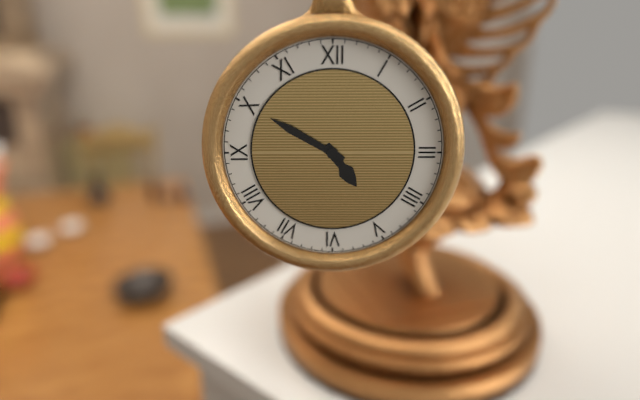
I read 4.50
